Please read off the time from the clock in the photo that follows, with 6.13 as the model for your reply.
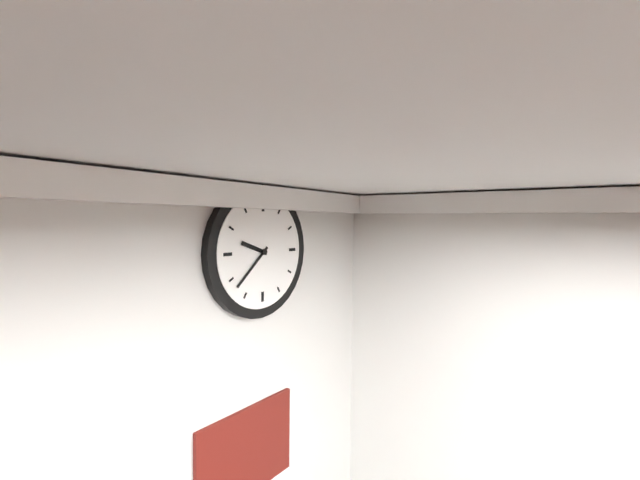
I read 9.38
